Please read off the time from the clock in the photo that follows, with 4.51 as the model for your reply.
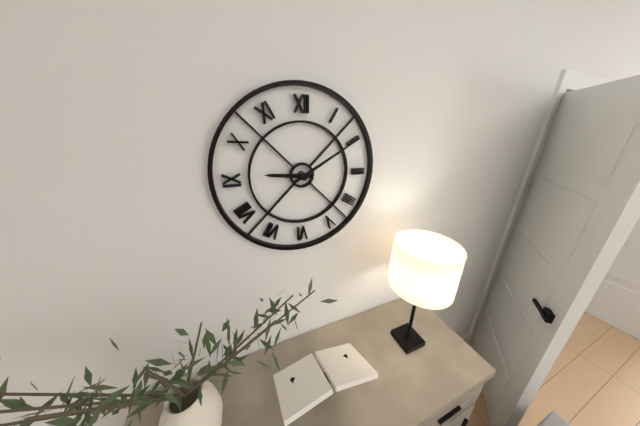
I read 9.10
